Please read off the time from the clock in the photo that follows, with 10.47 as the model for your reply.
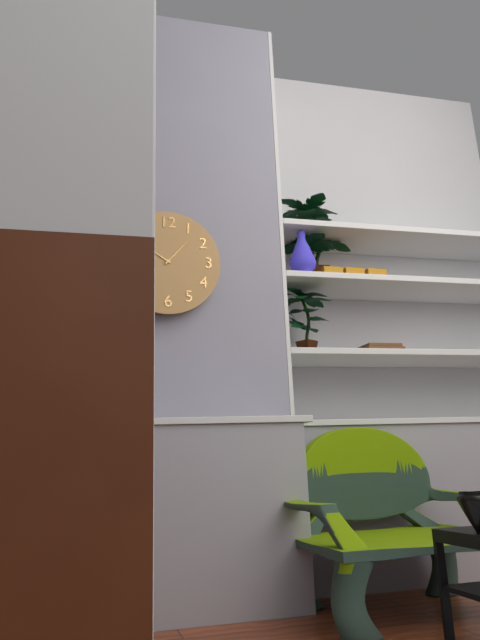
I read 10.07
